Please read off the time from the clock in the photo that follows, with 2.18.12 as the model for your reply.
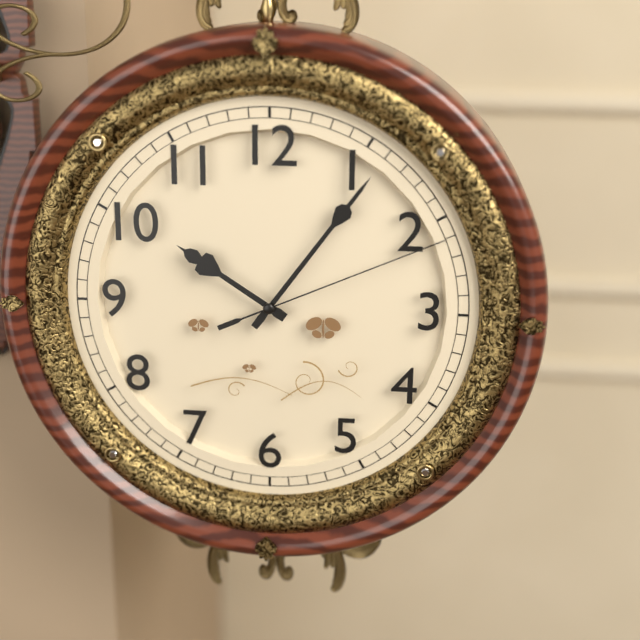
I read 10.06.11
